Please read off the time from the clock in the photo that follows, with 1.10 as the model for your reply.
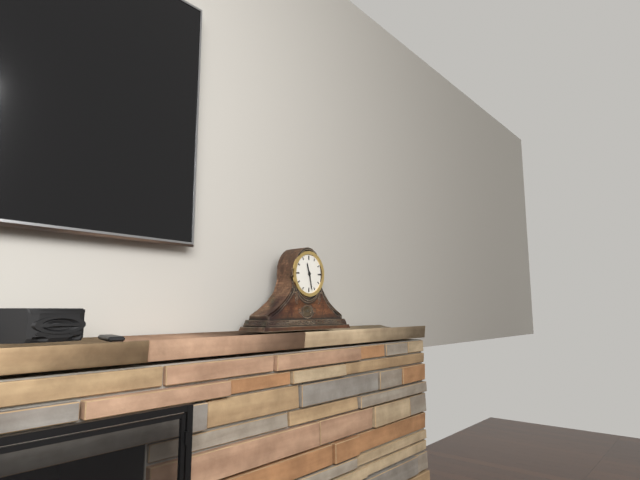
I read 11.28
